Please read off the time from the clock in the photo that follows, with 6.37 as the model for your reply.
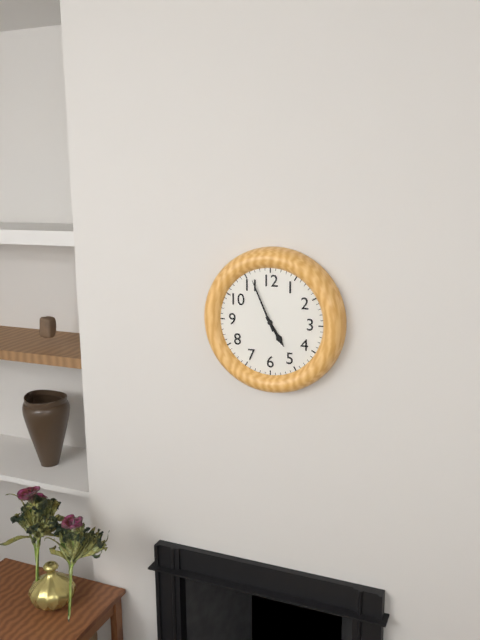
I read 4.56
